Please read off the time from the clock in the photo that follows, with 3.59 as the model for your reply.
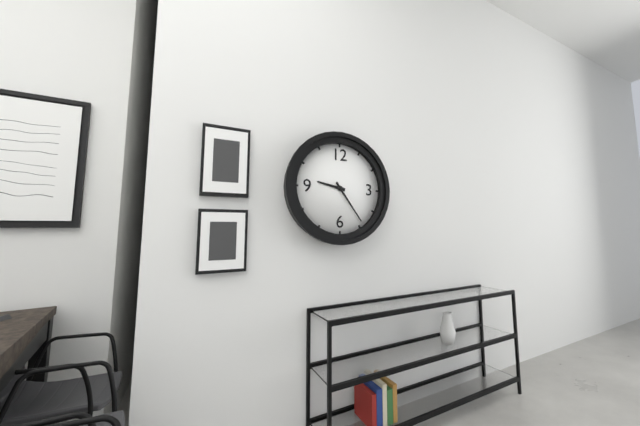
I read 9.24
